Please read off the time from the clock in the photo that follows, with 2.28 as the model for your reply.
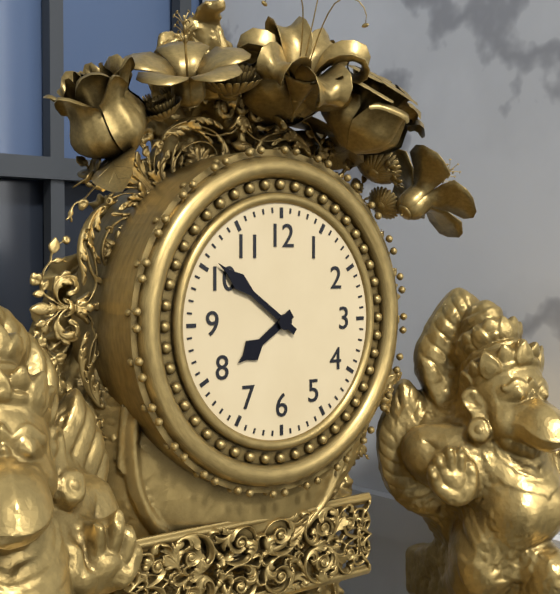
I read 7.51
